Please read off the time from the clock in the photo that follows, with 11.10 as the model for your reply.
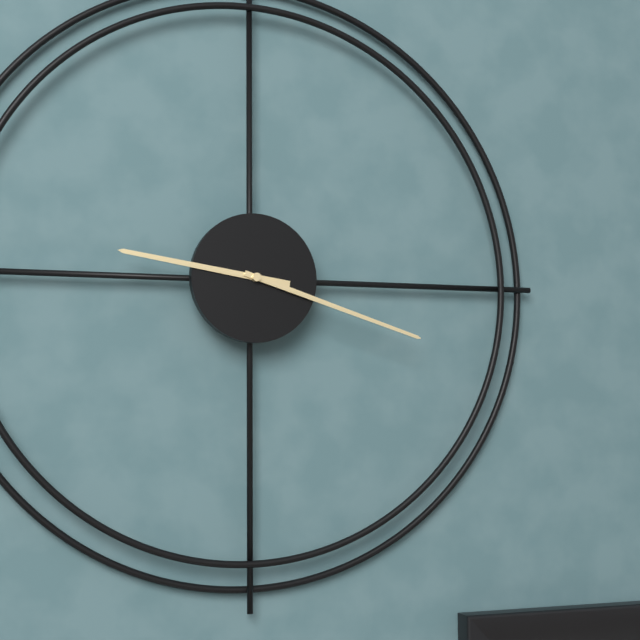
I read 9.18
